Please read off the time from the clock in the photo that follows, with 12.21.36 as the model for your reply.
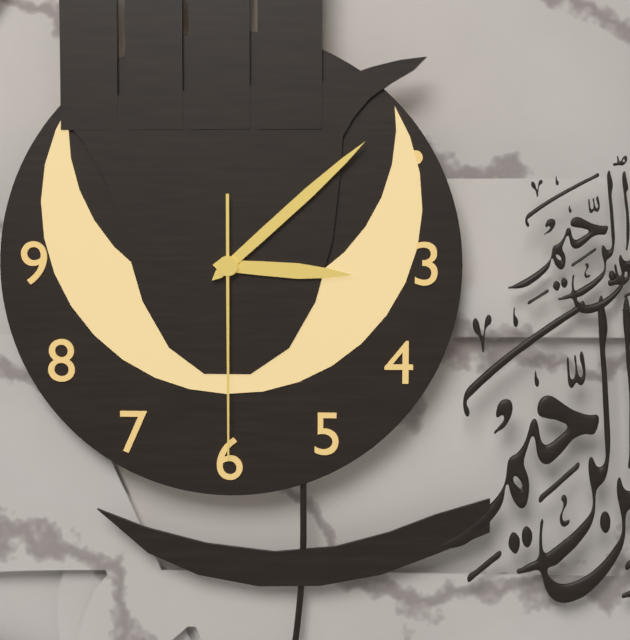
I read 3.08.30
